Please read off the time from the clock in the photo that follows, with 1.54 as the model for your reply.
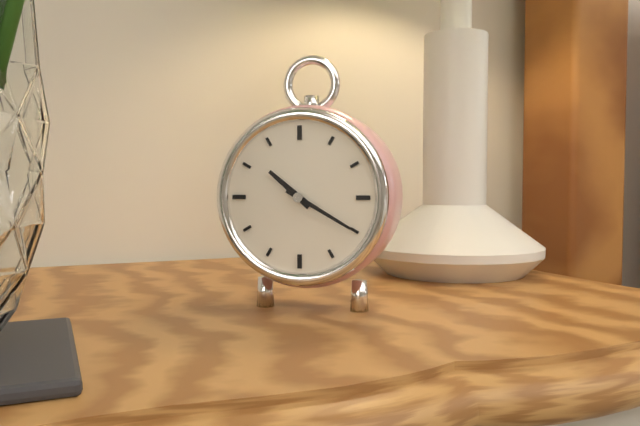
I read 10.20
